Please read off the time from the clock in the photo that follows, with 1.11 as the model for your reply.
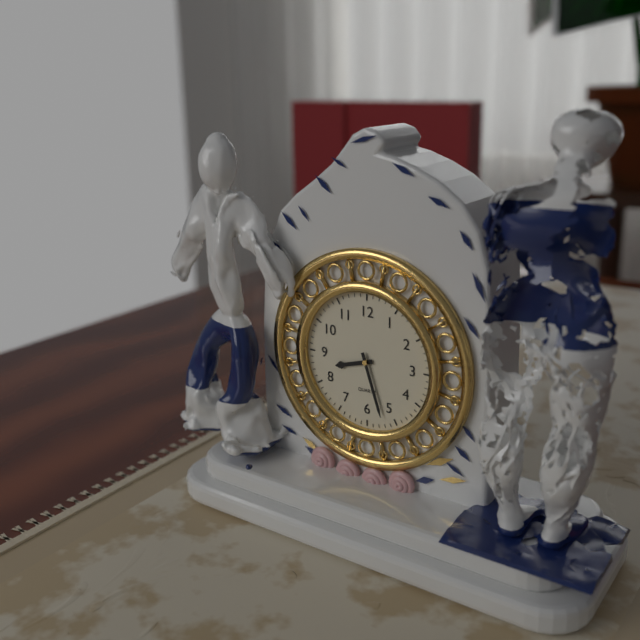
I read 8.27
